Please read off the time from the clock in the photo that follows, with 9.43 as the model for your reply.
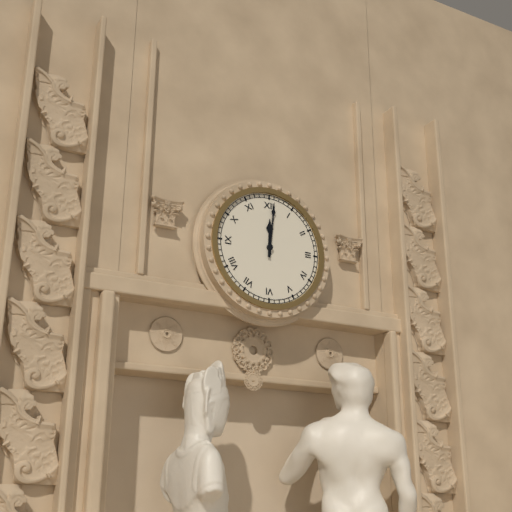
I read 12.01
